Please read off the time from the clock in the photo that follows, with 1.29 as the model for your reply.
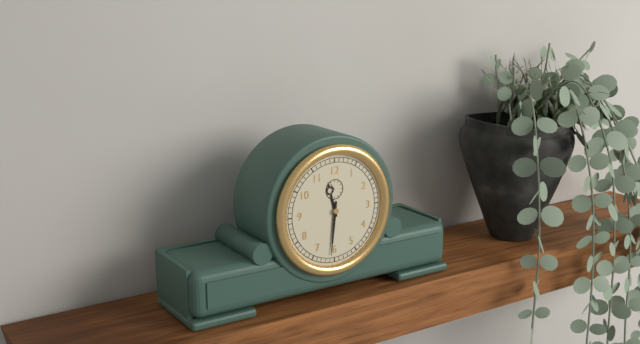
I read 11.31
